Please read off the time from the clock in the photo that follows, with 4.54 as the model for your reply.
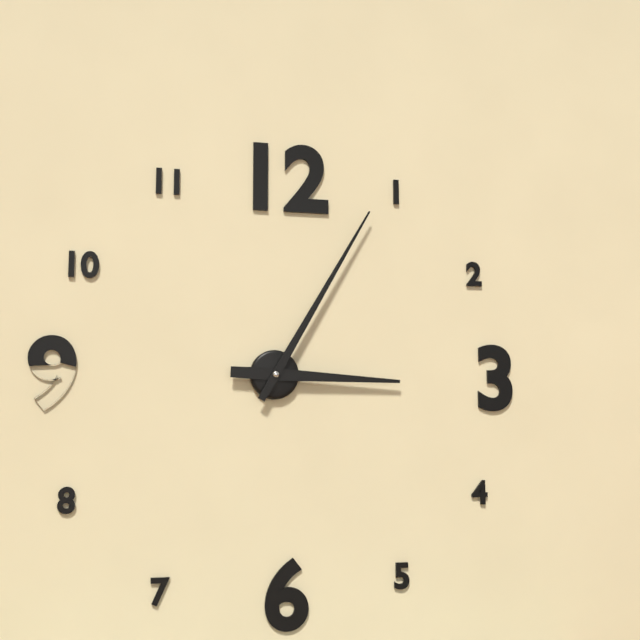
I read 3.05
